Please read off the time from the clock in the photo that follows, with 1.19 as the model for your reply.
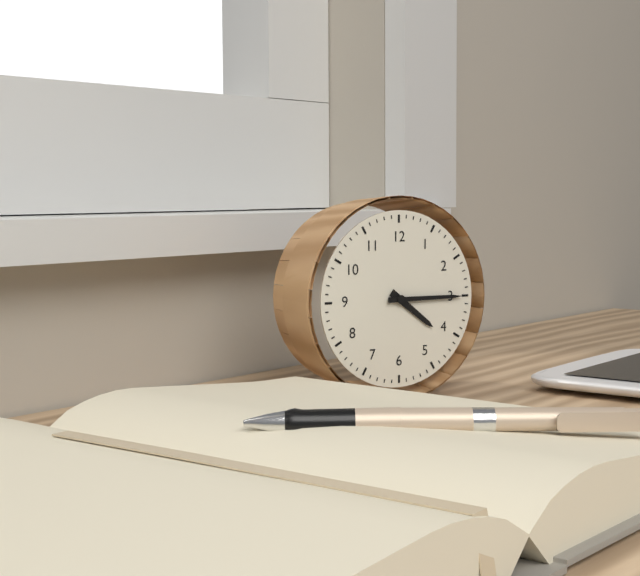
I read 4.15
